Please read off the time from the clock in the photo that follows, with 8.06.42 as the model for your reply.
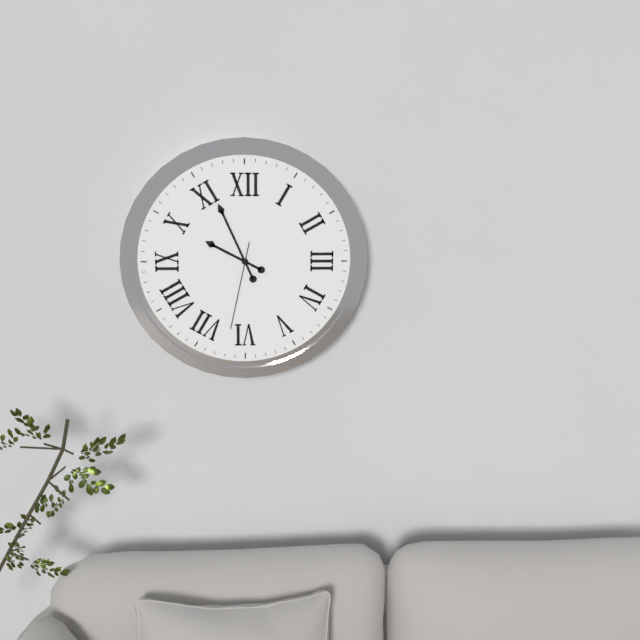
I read 9.56.32
